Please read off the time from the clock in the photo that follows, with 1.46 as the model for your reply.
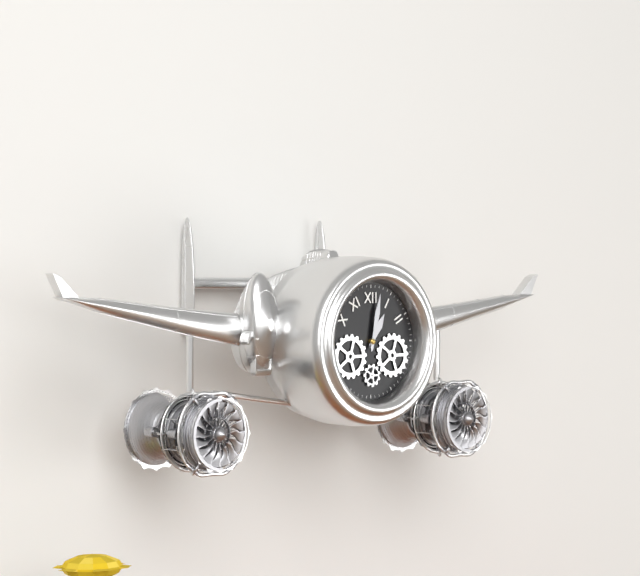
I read 1.02
